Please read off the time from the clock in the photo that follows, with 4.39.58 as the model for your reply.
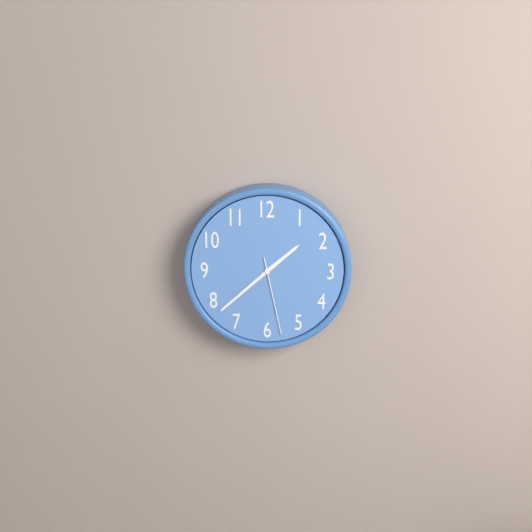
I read 1.38.28
